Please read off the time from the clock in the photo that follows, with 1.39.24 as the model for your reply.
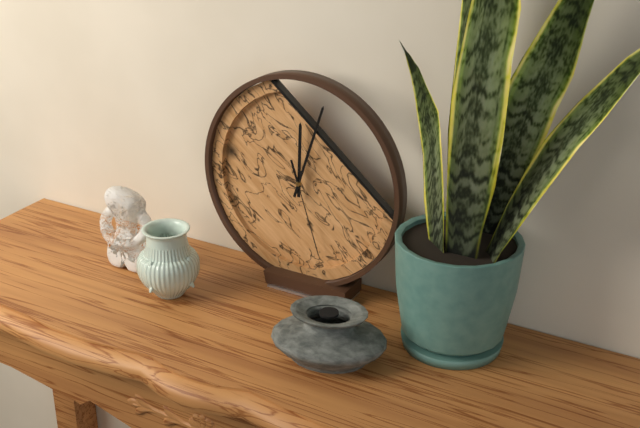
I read 12.03.27
